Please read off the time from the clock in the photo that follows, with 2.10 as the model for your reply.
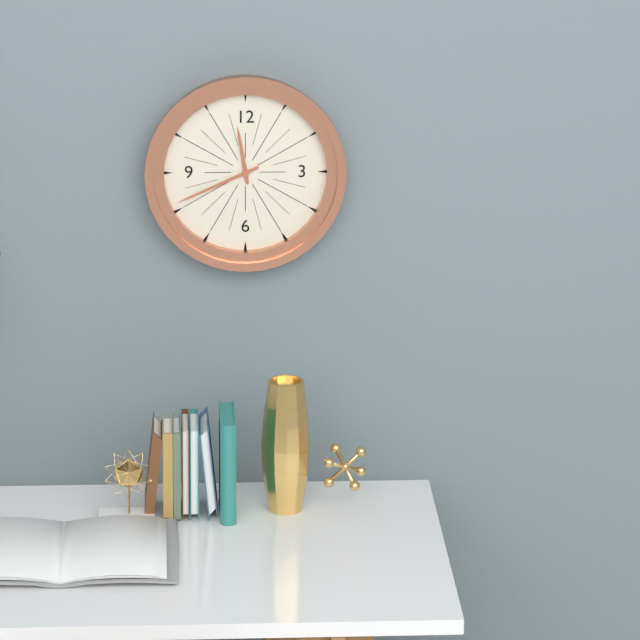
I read 11.41
